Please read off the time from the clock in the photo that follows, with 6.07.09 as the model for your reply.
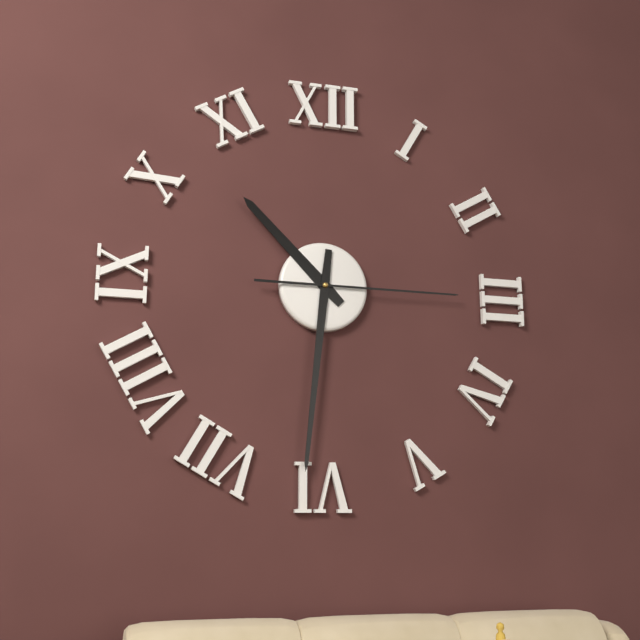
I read 10.31.15
